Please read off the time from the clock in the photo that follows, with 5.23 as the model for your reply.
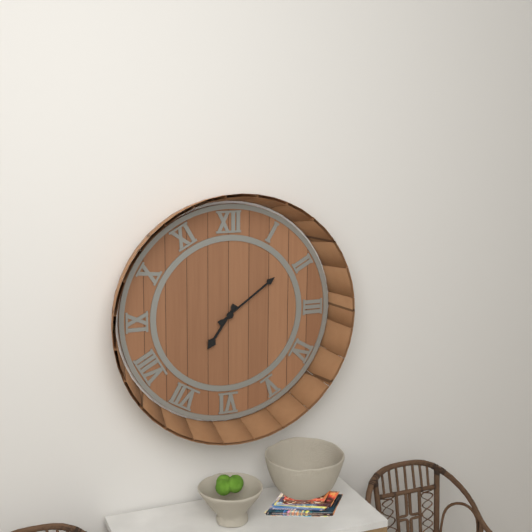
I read 7.09
